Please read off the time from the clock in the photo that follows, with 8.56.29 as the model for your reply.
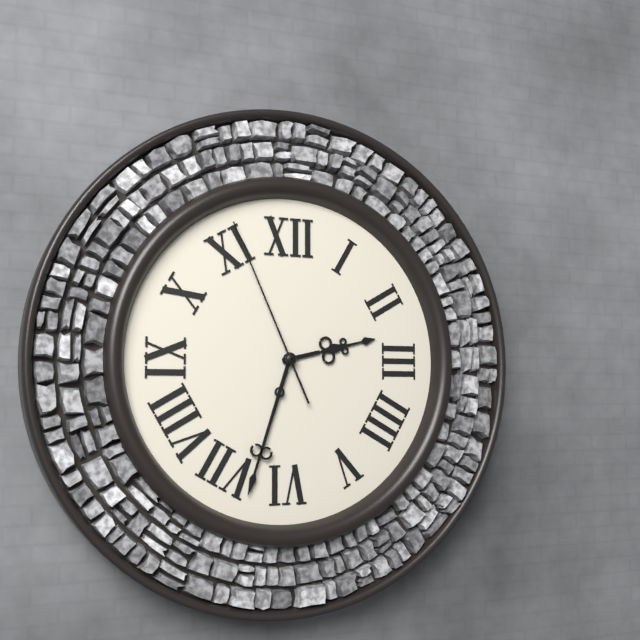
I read 2.33.56
